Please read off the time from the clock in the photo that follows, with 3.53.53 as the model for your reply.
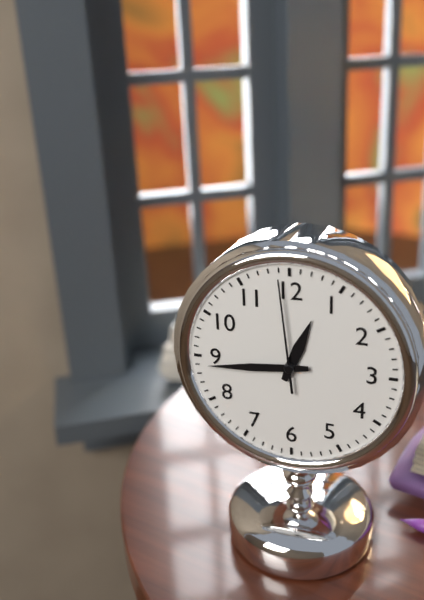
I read 12.44.59
